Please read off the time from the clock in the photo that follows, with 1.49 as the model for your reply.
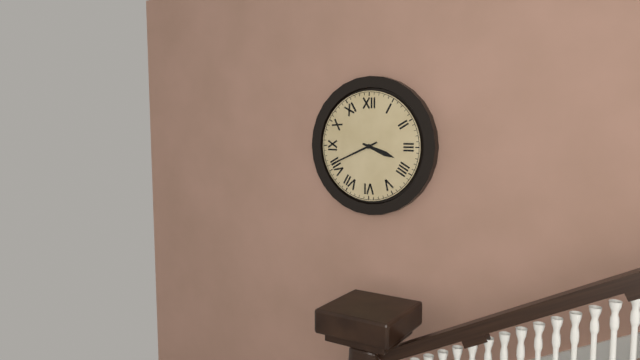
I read 3.41
